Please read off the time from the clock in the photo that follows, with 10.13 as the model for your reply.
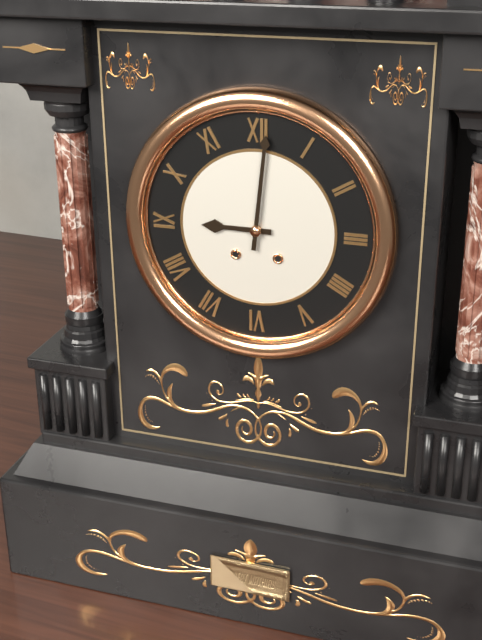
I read 9.01
